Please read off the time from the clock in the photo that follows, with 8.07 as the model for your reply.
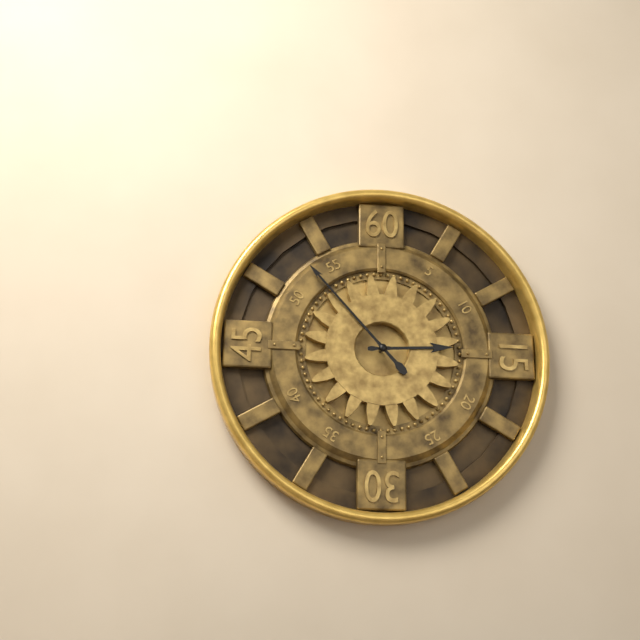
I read 2.53
